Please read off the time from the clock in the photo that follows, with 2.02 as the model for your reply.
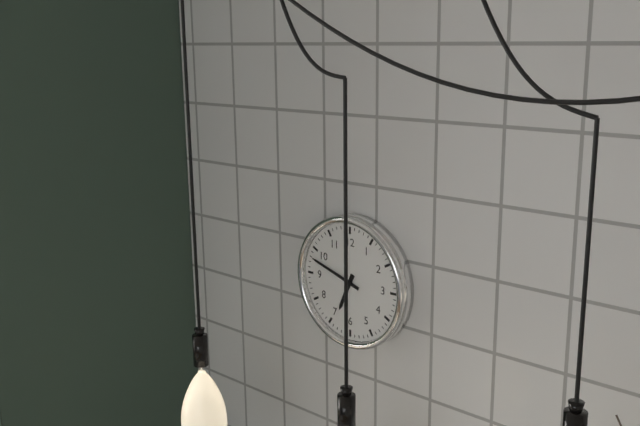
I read 6.48
